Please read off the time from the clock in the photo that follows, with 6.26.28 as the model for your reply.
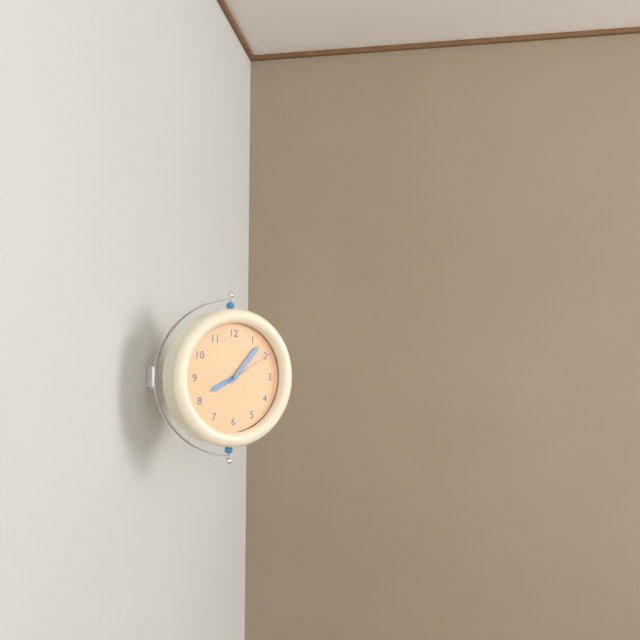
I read 8.07.10
